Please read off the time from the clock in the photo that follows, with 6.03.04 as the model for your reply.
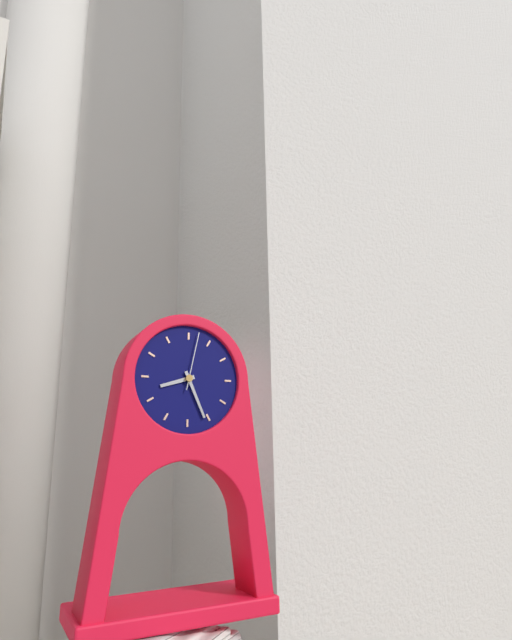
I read 8.26.02
